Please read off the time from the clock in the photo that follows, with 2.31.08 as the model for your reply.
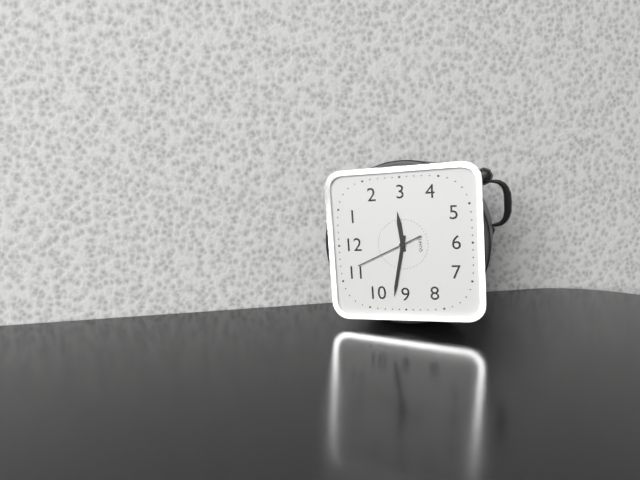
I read 2.47.56
